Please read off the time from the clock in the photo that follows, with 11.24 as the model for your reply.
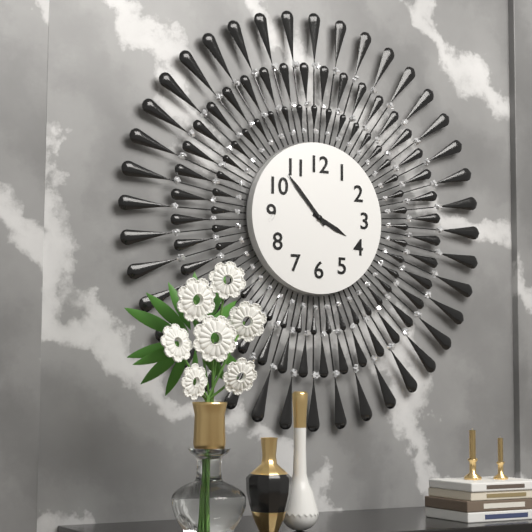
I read 3.53
